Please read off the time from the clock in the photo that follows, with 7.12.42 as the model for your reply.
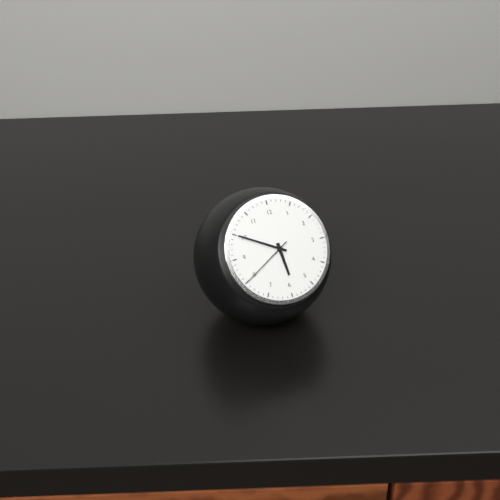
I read 5.50.40
